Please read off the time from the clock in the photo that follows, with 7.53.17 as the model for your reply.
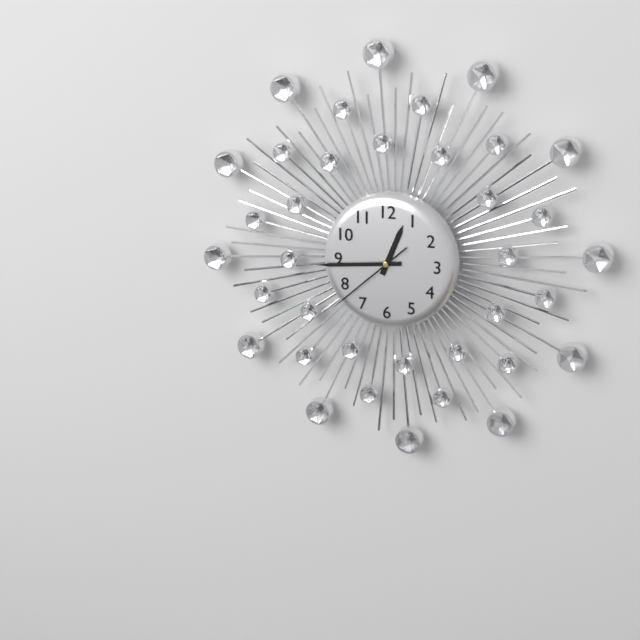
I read 12.44.38
